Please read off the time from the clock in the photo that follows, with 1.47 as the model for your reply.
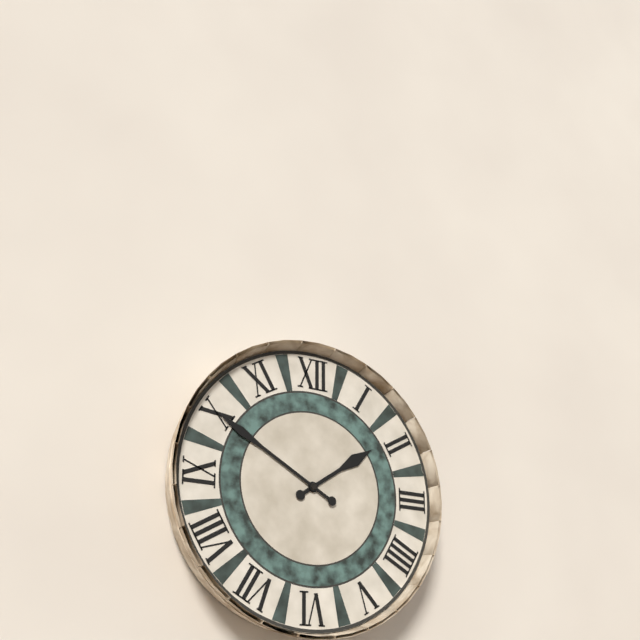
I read 1.50
